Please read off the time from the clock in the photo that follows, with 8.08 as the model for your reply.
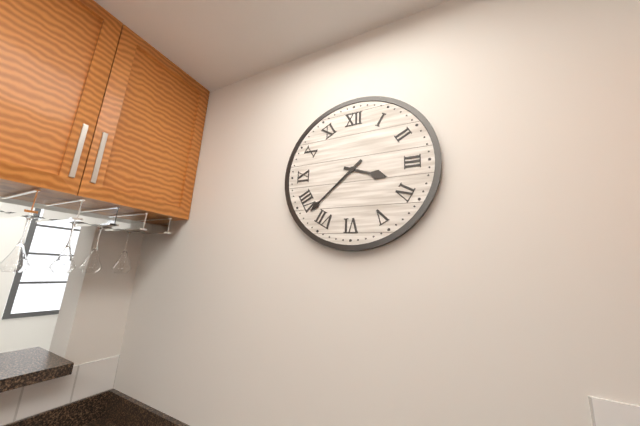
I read 3.38
